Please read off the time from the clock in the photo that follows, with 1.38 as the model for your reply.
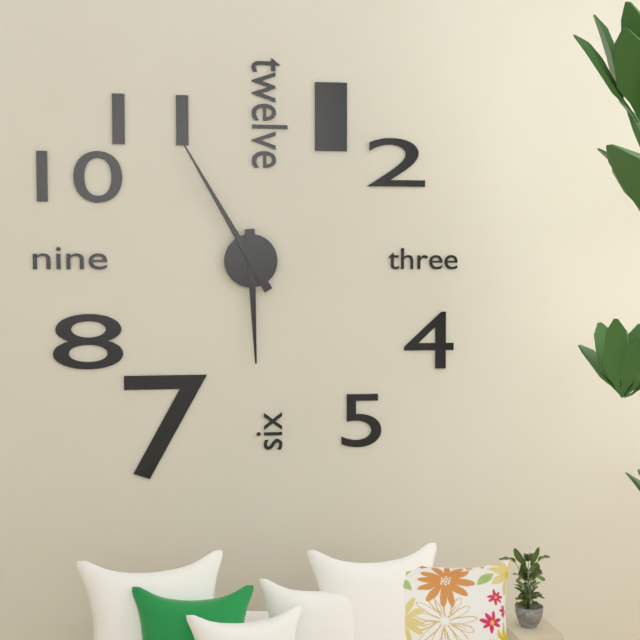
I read 5.55
